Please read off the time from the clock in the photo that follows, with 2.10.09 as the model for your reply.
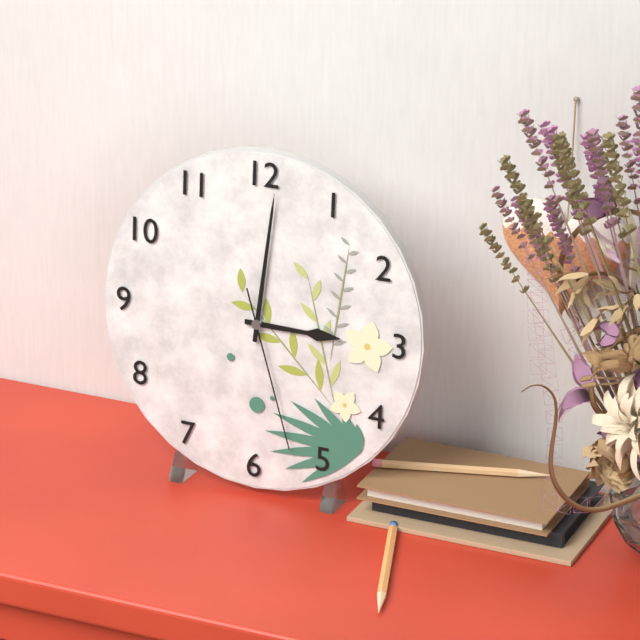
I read 3.01.27
